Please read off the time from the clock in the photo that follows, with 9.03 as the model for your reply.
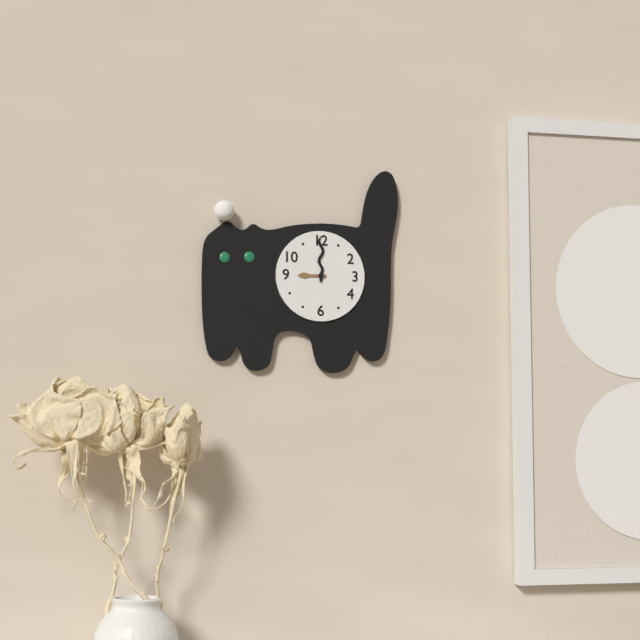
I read 9.00
